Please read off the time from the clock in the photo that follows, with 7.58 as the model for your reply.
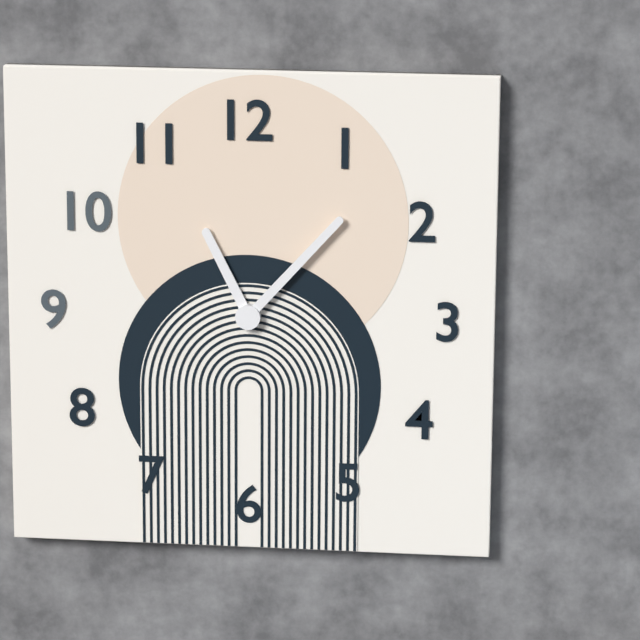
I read 11.07
